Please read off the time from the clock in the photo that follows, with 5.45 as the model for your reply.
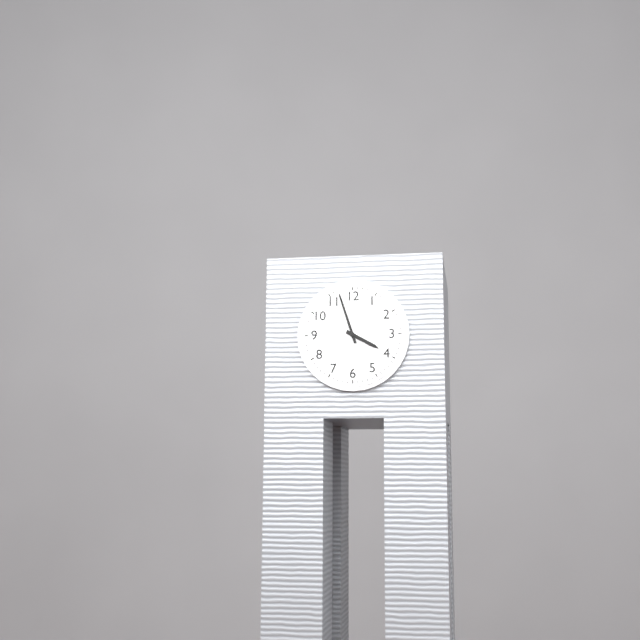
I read 3.57
